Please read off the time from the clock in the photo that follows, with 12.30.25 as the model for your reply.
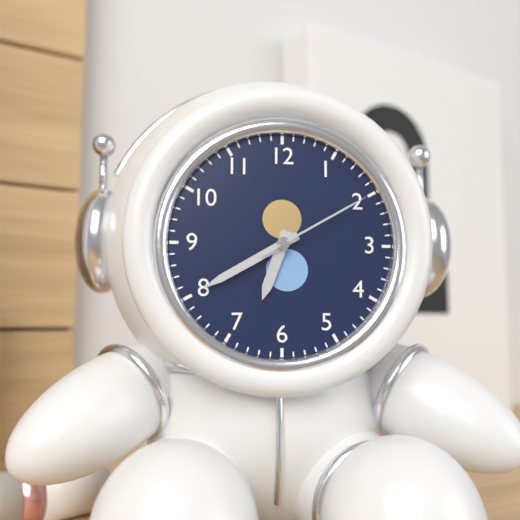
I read 6.40.10
